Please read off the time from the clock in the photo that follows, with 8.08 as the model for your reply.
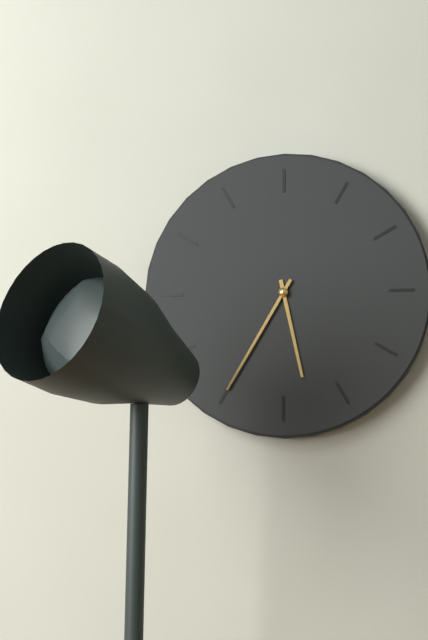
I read 5.35
